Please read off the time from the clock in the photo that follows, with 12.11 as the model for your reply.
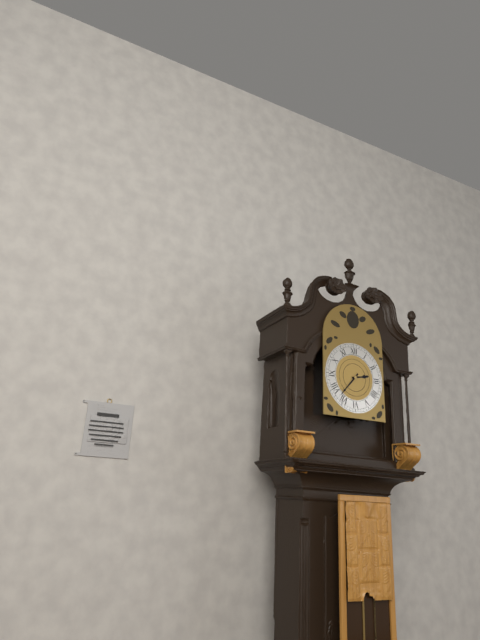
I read 2.37
